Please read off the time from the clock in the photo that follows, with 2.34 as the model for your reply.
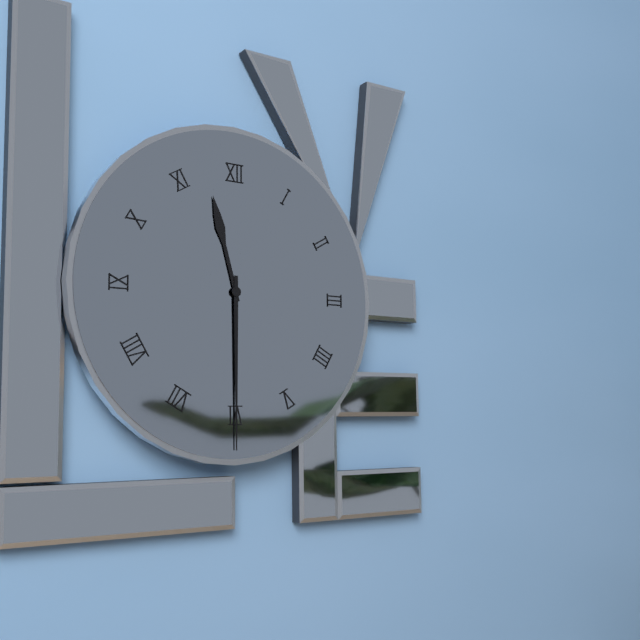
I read 11.30
